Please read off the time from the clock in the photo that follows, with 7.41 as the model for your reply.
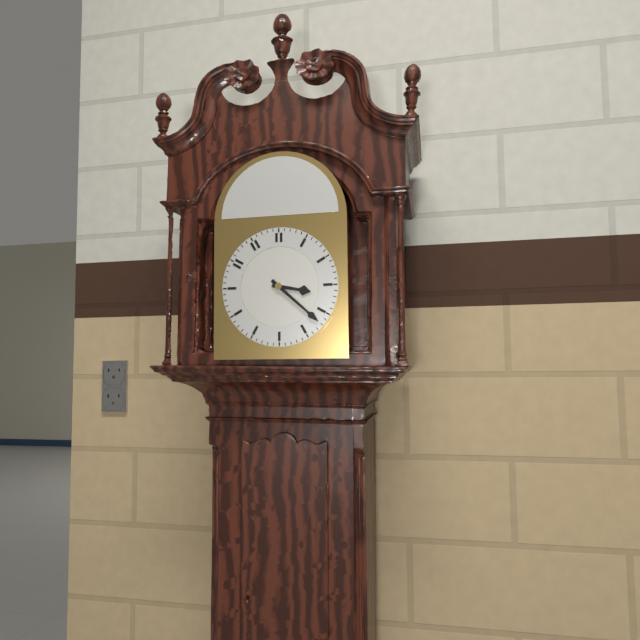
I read 3.22
